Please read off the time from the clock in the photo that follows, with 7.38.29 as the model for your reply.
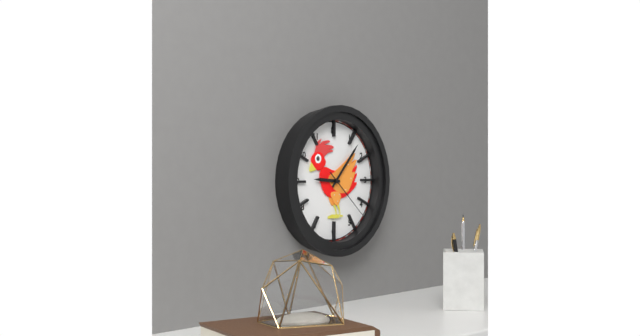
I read 9.07.22
